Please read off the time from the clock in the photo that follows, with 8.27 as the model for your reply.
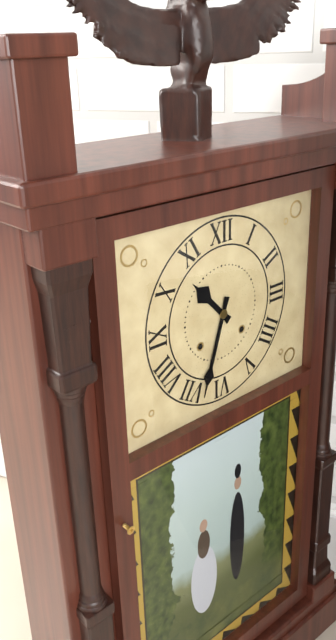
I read 10.33
